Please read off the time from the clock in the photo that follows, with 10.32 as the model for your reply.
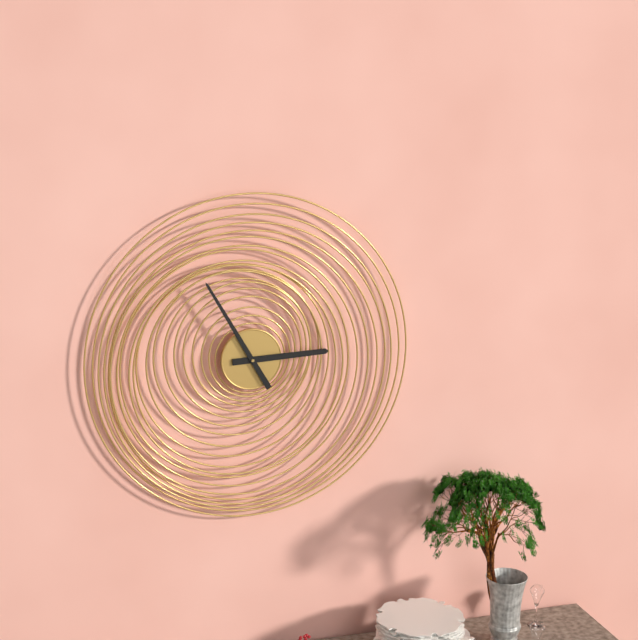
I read 2.55
